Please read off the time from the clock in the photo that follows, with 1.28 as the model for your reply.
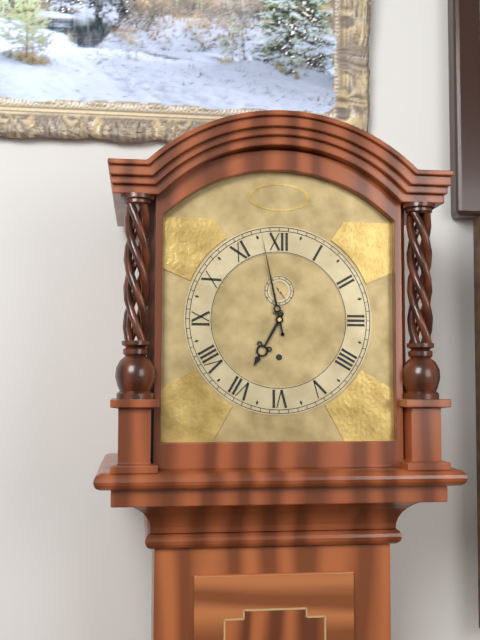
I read 6.58
